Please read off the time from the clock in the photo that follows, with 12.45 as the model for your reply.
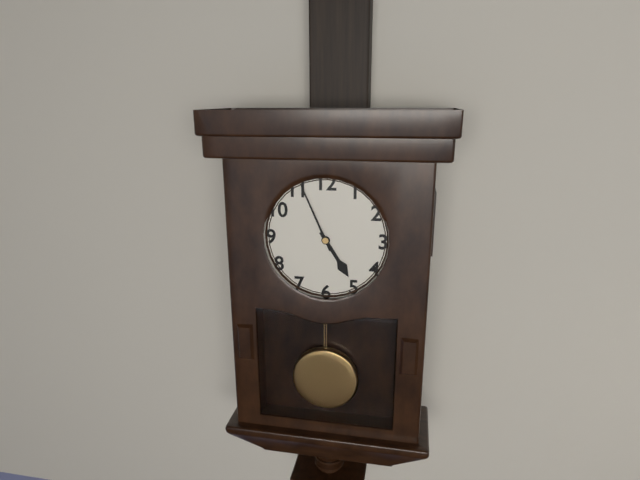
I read 4.56
